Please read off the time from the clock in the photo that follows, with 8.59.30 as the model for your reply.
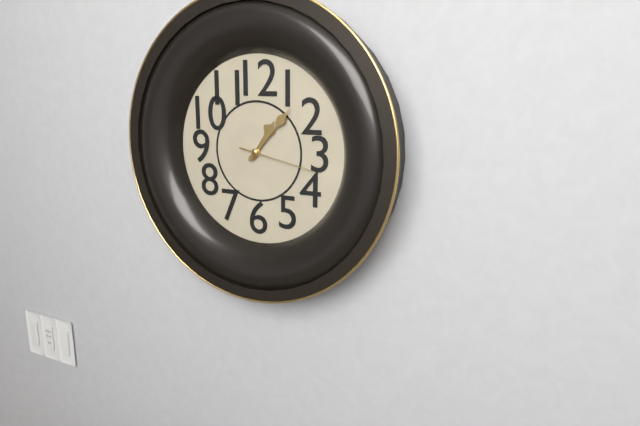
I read 1.07.17
